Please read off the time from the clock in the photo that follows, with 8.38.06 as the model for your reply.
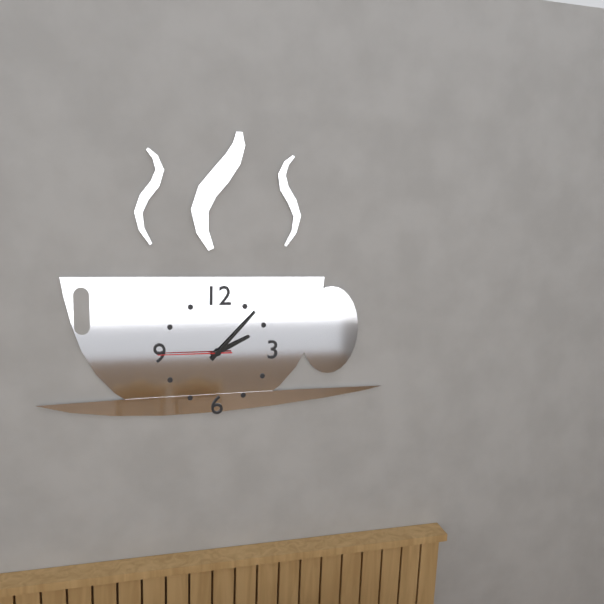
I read 2.07.45
